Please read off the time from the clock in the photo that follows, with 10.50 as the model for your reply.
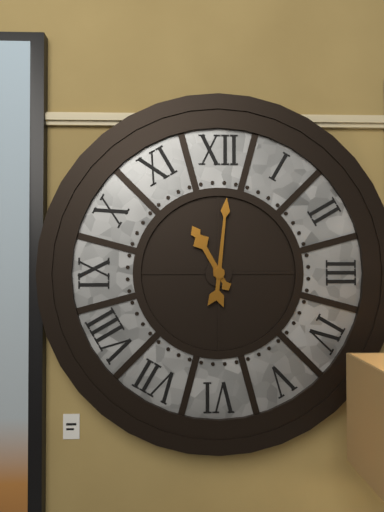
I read 11.01
